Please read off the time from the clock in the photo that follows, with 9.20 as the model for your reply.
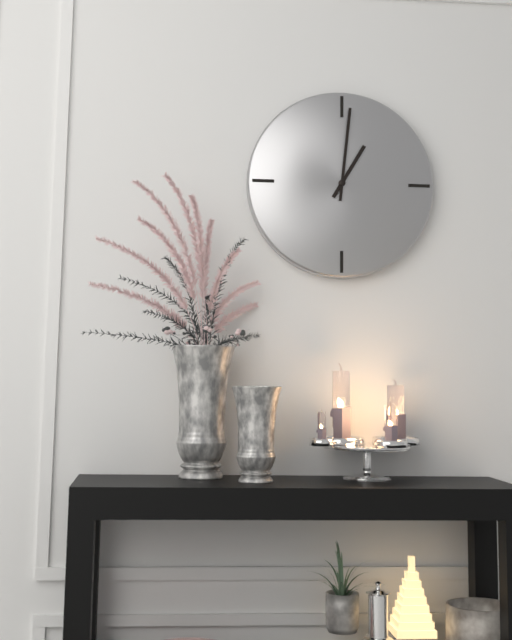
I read 1.01
